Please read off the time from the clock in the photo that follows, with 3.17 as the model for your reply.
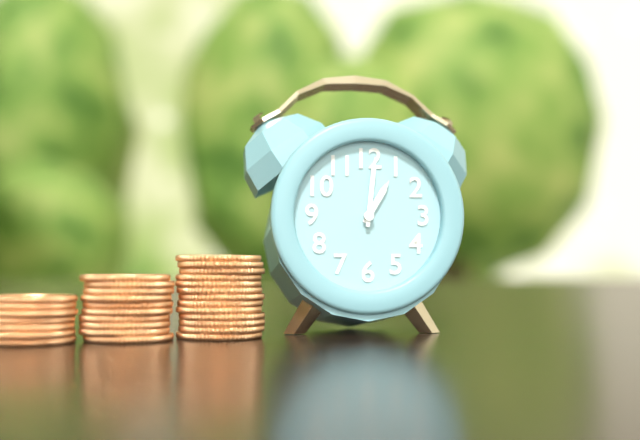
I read 1.01
